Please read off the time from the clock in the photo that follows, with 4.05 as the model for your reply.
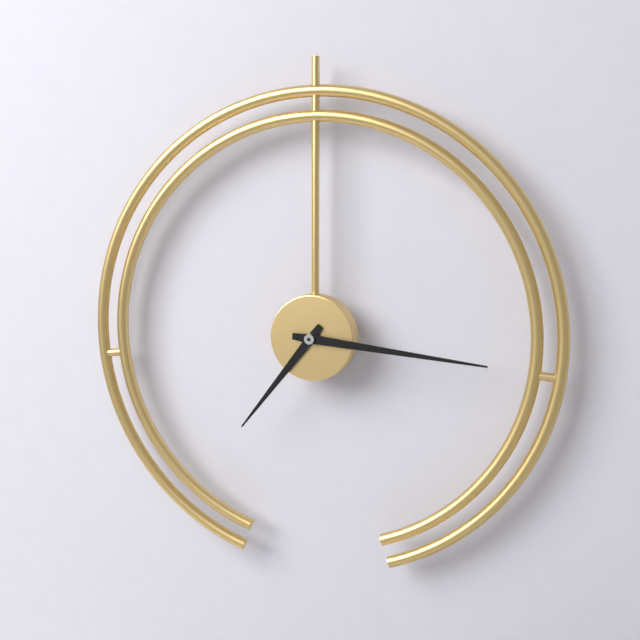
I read 7.16
